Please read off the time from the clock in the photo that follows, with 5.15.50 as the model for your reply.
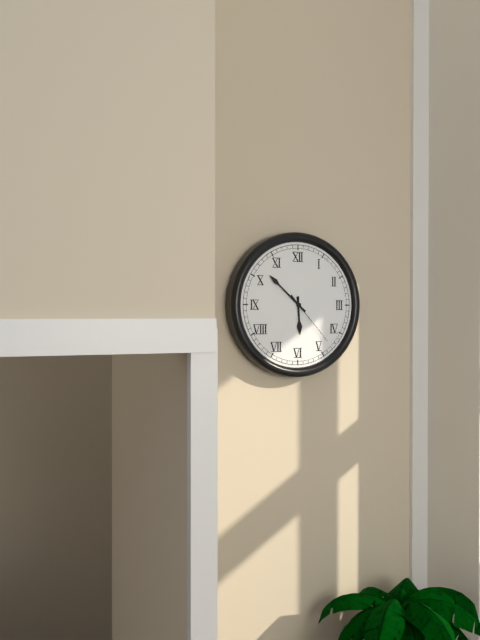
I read 5.52.23
